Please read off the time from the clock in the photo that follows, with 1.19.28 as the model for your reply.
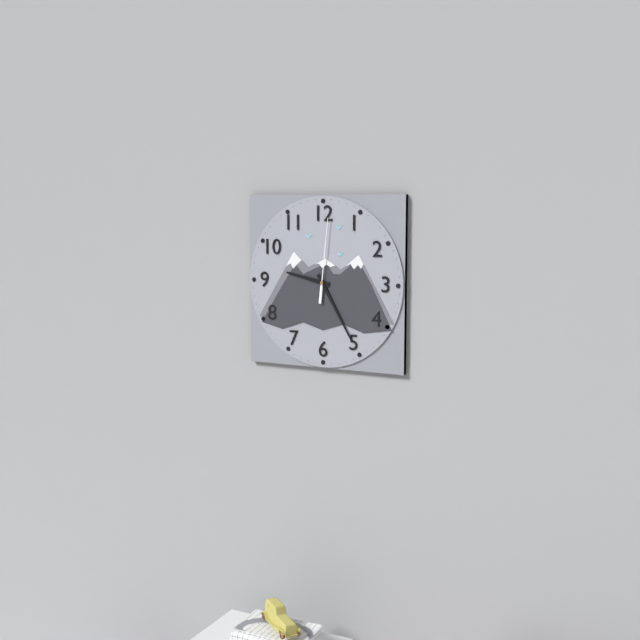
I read 9.25.01
